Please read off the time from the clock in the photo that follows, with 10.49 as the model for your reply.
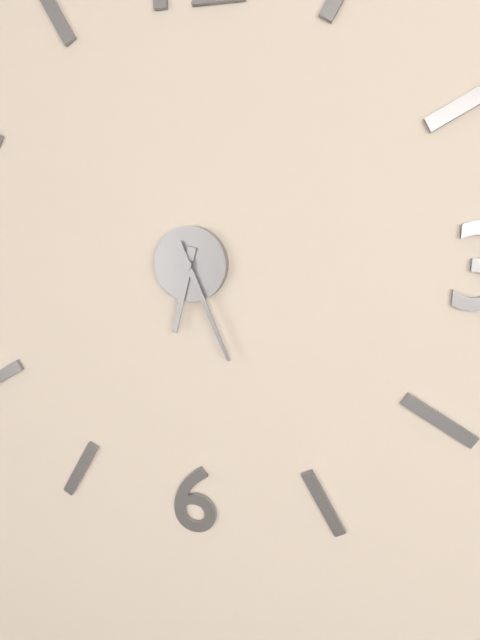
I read 6.26
